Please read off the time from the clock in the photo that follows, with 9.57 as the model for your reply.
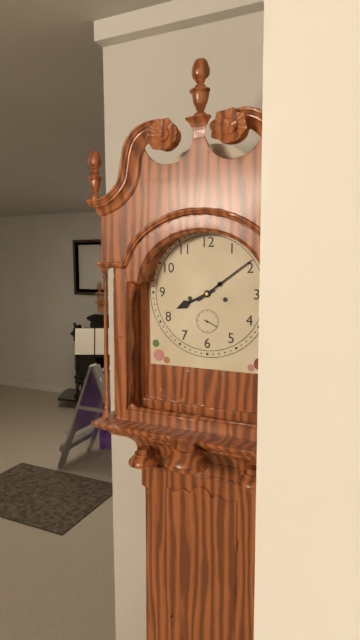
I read 8.09
